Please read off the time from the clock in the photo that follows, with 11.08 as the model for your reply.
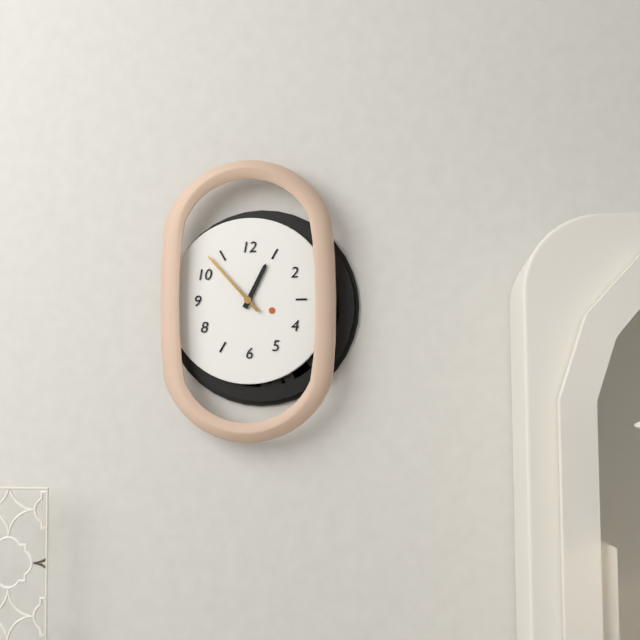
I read 12.53
